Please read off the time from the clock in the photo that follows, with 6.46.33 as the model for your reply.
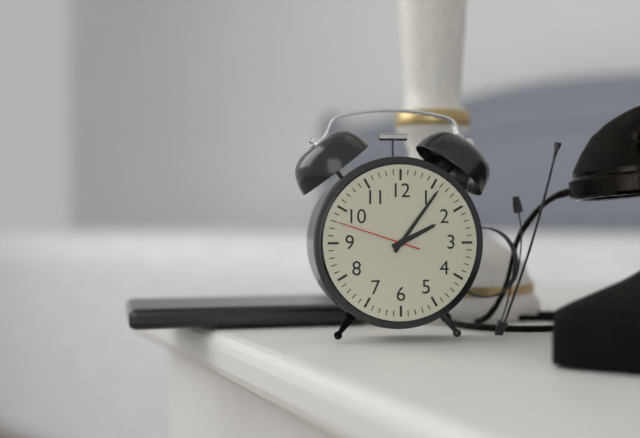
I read 2.06.48
